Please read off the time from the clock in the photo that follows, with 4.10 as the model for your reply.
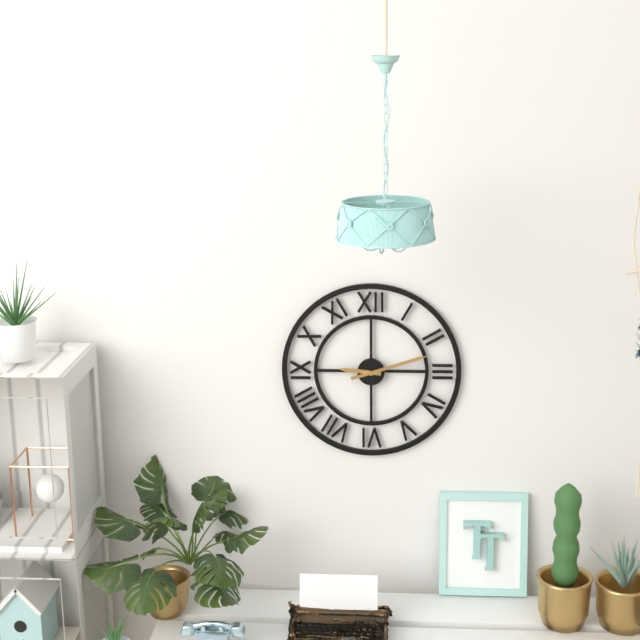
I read 9.12
